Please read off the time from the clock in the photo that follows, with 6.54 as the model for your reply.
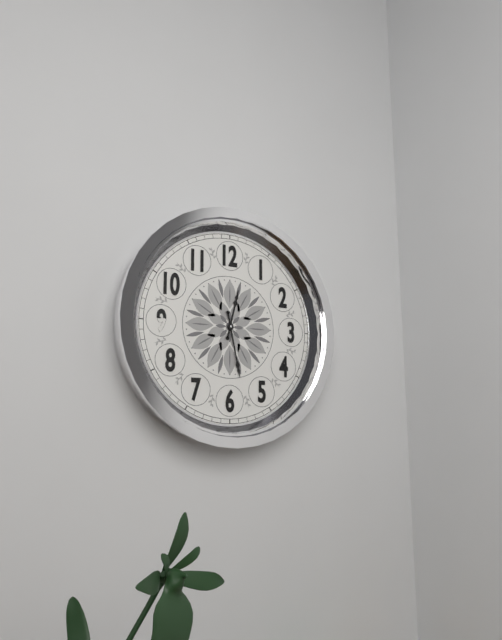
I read 12.28
